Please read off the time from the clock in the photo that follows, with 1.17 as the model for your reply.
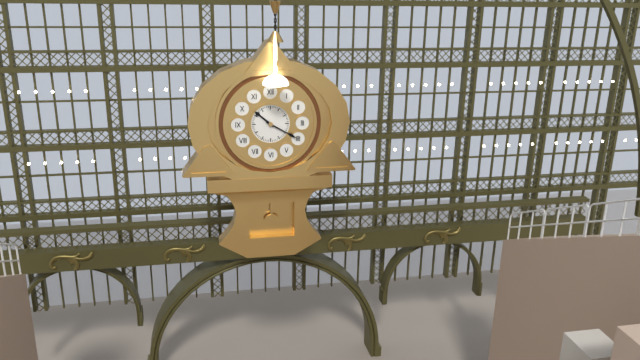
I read 10.20
